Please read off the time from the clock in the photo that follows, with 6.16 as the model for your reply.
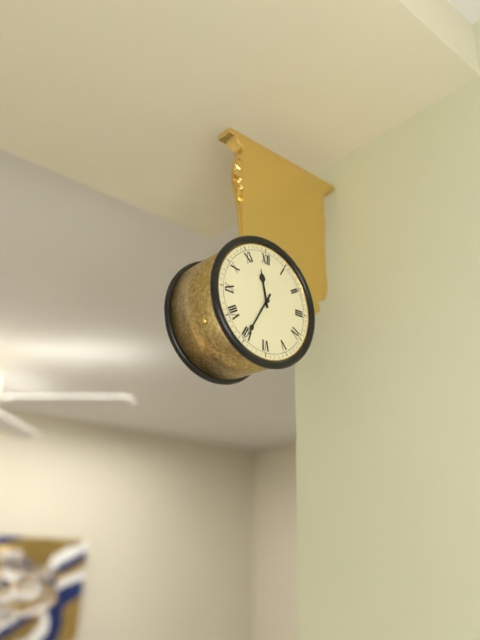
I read 11.35
